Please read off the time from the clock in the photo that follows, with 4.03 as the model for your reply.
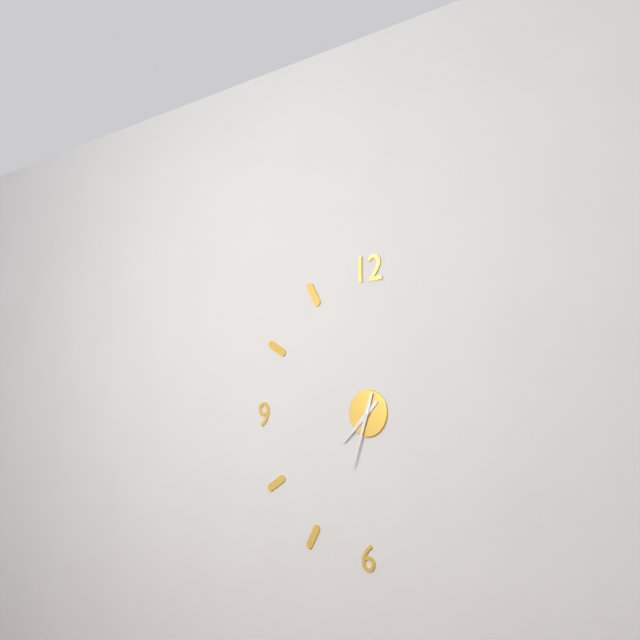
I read 7.33
